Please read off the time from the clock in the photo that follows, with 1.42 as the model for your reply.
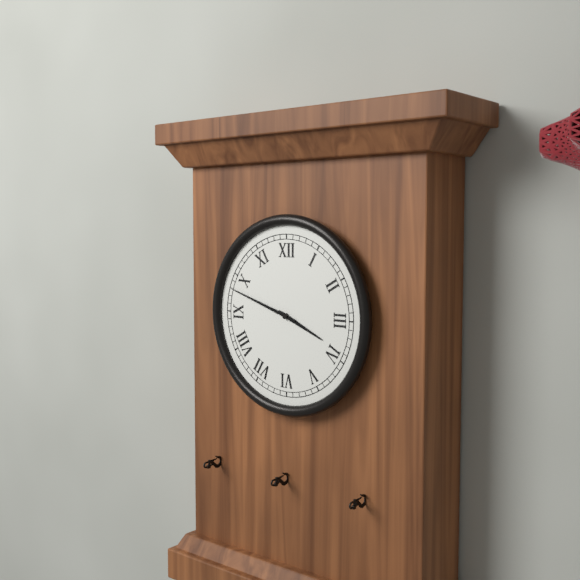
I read 3.48
